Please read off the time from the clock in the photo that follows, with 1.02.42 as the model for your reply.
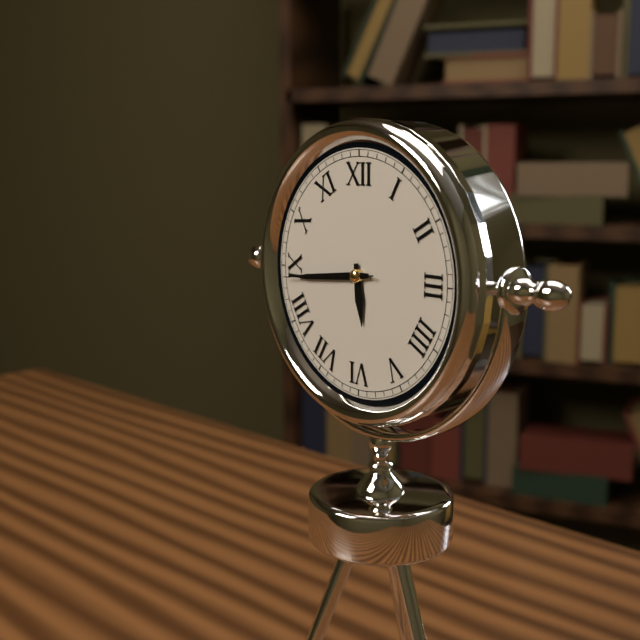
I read 5.44.44
